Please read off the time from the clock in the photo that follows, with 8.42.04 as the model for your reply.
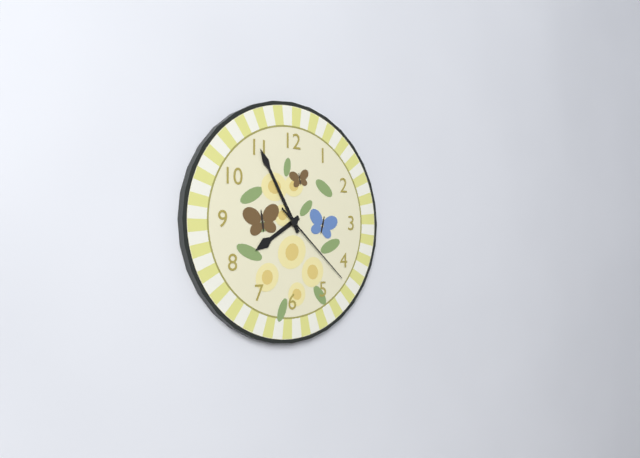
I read 7.55.22
